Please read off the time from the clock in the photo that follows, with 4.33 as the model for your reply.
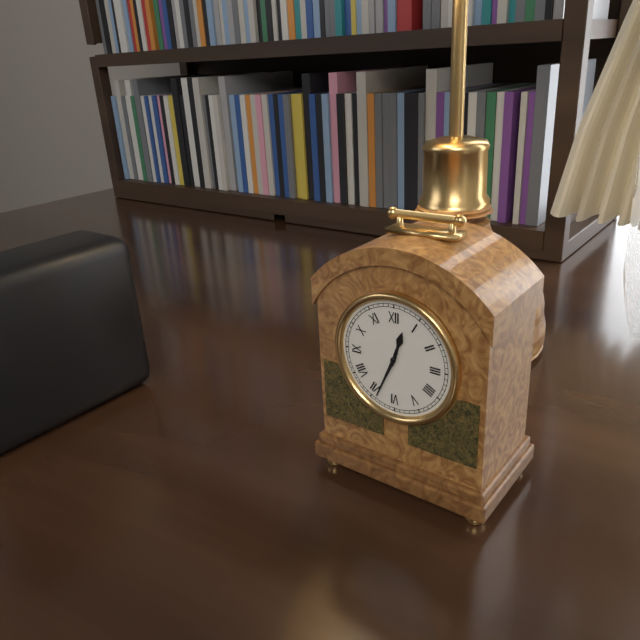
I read 12.34
